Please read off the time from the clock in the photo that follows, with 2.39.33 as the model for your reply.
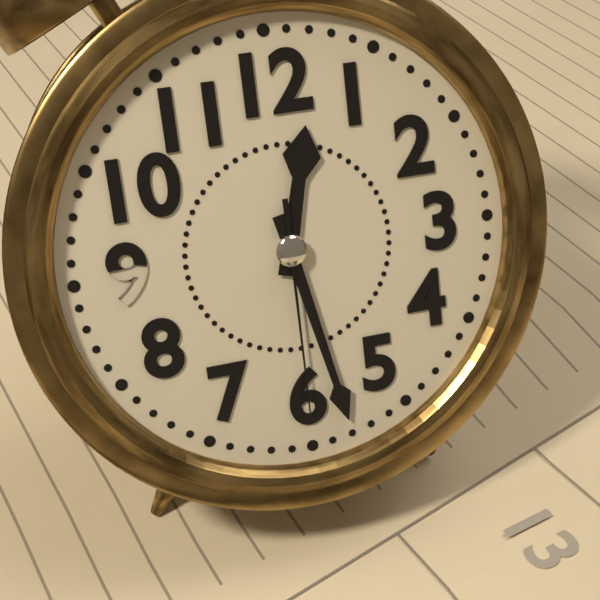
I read 12.28.30
